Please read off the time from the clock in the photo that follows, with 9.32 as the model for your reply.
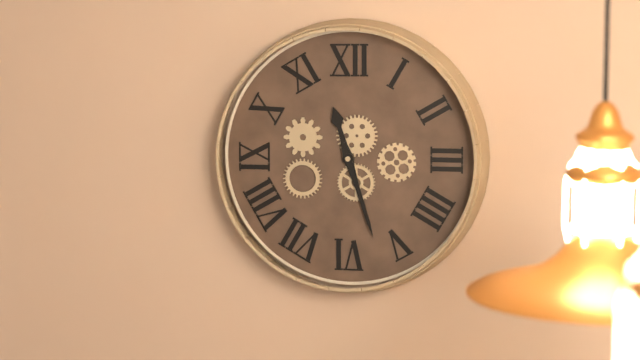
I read 11.27
